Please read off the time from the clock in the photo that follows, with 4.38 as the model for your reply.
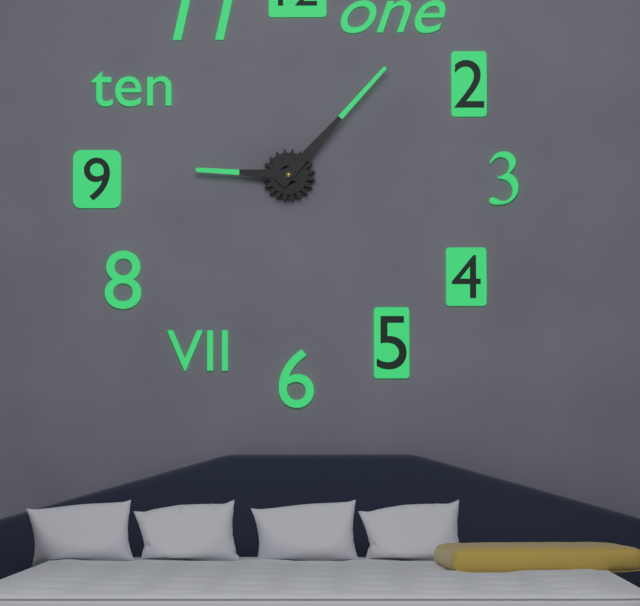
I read 9.07
